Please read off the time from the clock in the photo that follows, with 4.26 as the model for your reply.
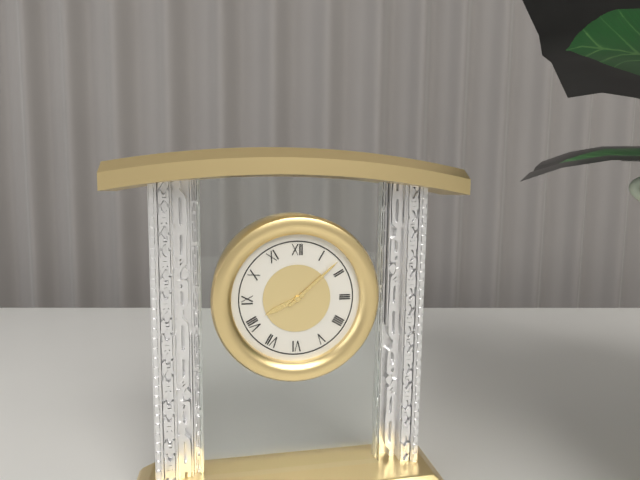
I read 8.08
